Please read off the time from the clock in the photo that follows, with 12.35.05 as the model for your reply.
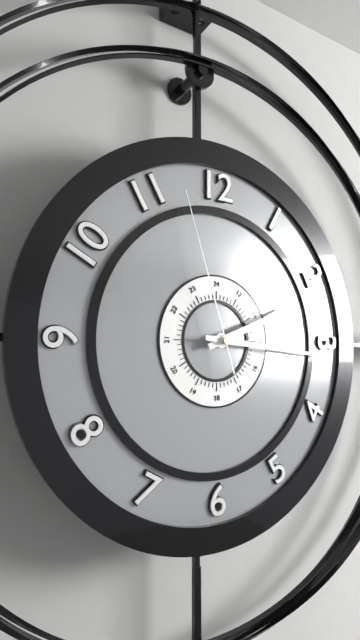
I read 2.16.57
